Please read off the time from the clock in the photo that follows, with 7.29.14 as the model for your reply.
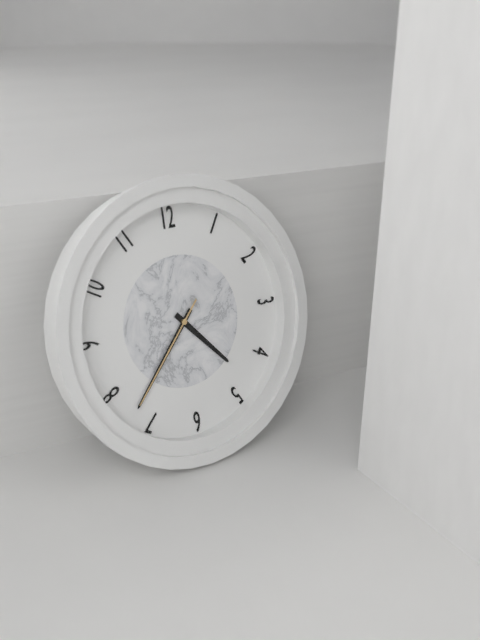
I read 4.37.37
